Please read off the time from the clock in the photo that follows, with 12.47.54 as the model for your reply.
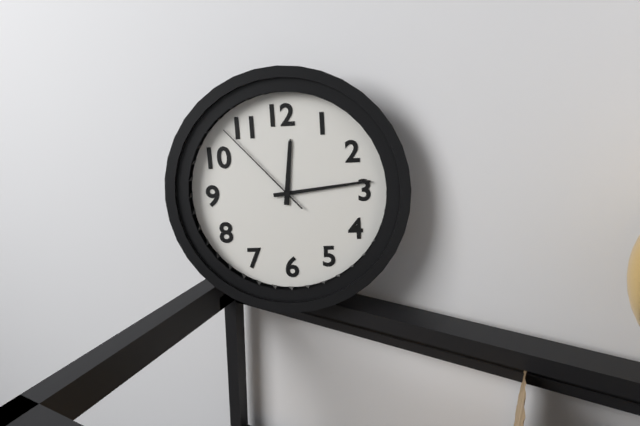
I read 12.14.53
